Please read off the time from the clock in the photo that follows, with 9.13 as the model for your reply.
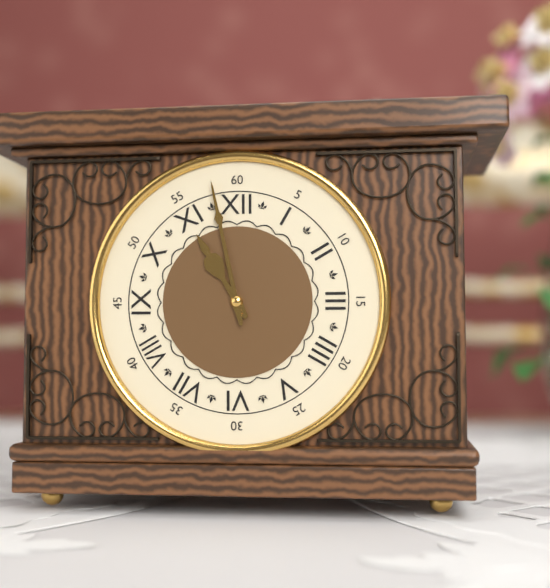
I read 10.58
